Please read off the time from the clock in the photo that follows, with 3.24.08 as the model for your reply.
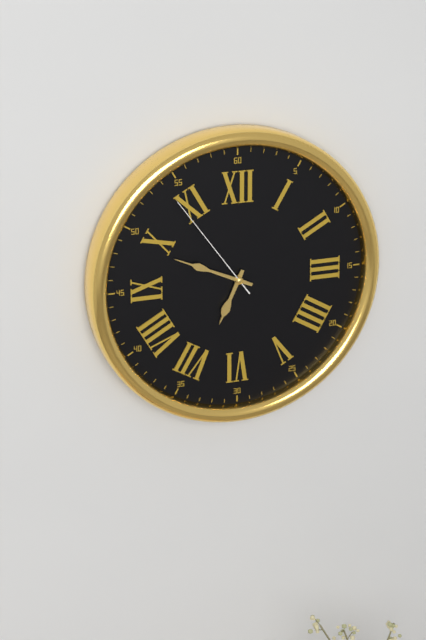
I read 6.49.54
